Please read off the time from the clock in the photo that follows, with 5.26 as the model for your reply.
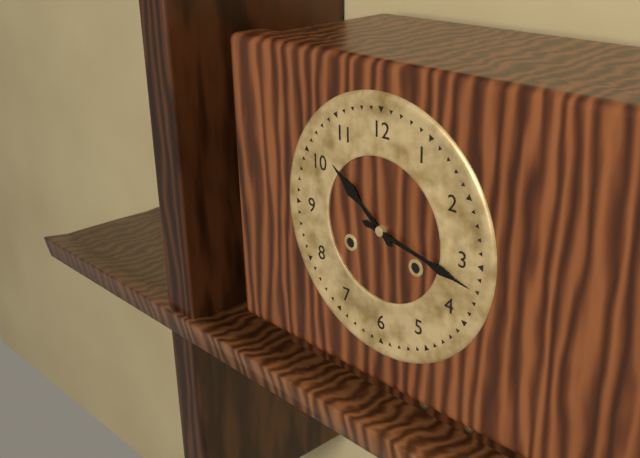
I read 10.17
